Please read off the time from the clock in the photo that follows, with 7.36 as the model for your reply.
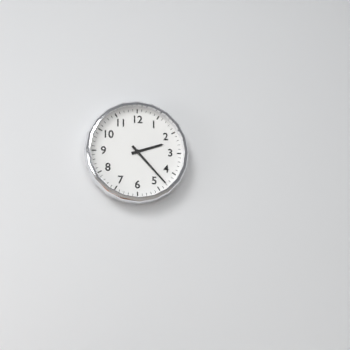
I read 2.23
